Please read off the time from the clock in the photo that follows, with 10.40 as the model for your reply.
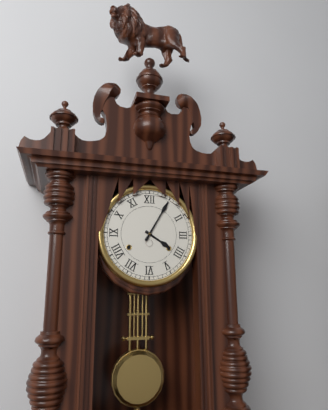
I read 4.05
